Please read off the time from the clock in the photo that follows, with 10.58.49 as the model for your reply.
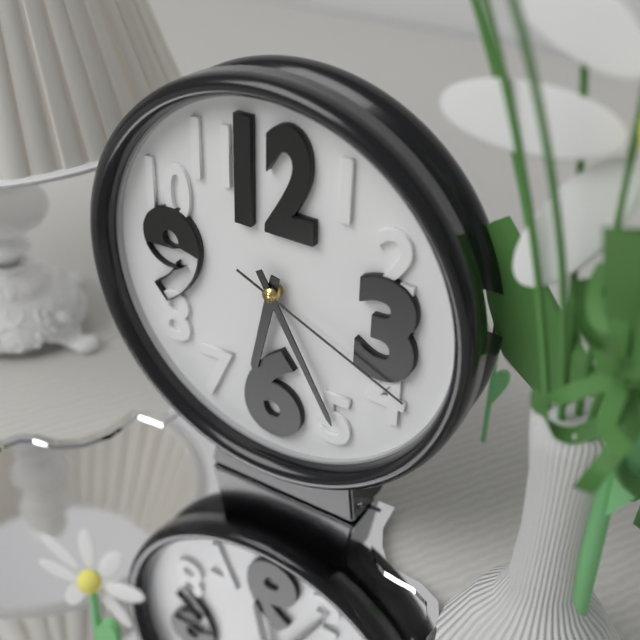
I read 6.25.19
